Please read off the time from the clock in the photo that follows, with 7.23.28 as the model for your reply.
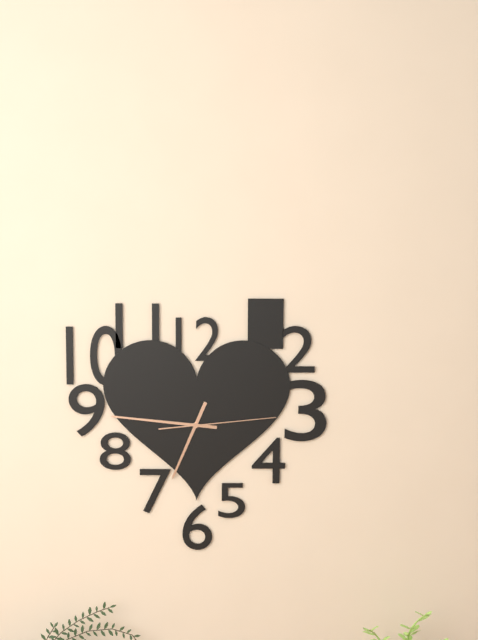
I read 6.46.14
